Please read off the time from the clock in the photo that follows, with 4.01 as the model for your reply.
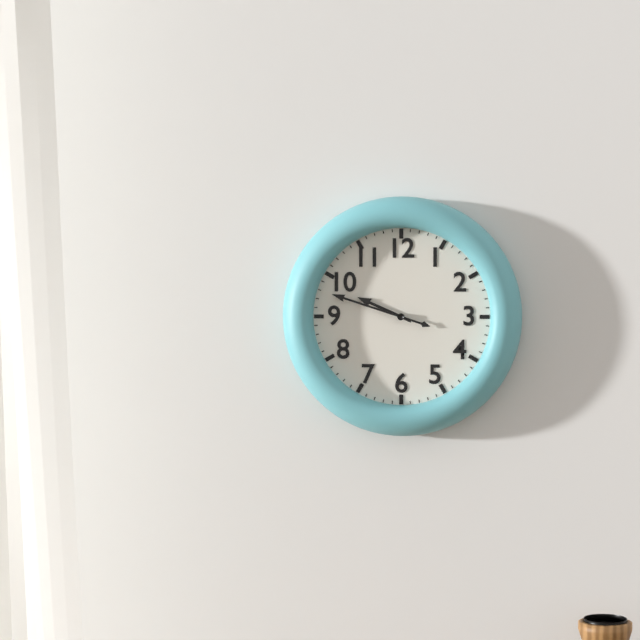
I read 9.48
